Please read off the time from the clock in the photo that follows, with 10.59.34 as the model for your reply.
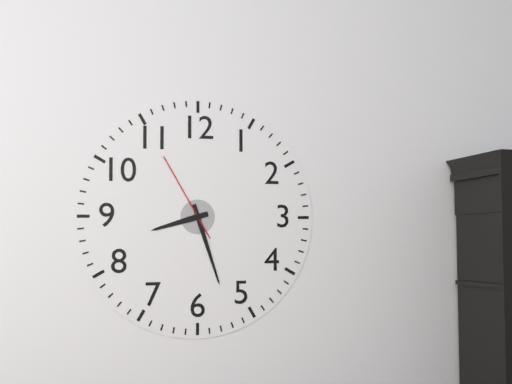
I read 8.27.55
